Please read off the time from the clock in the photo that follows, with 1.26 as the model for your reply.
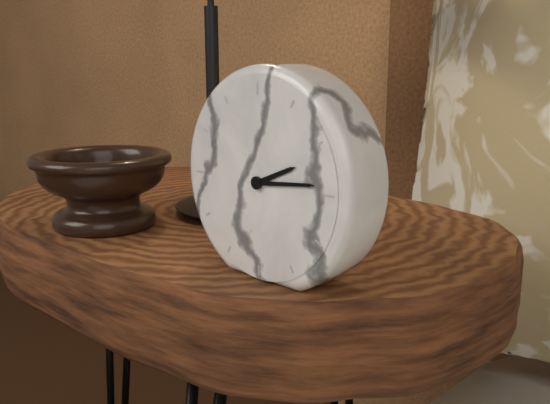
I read 2.14
